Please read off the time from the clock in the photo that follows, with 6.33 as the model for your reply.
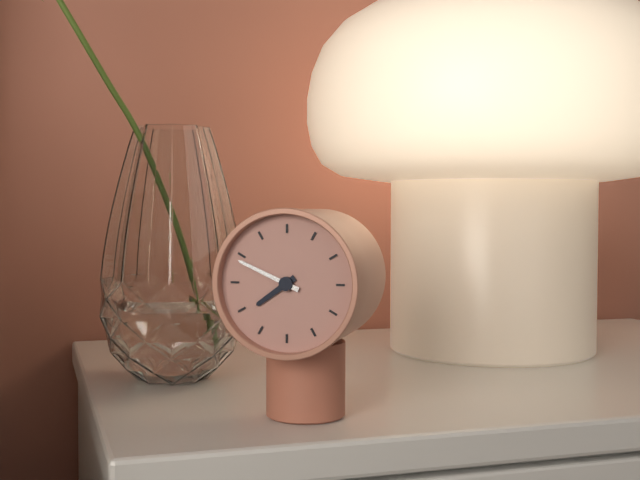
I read 7.49
